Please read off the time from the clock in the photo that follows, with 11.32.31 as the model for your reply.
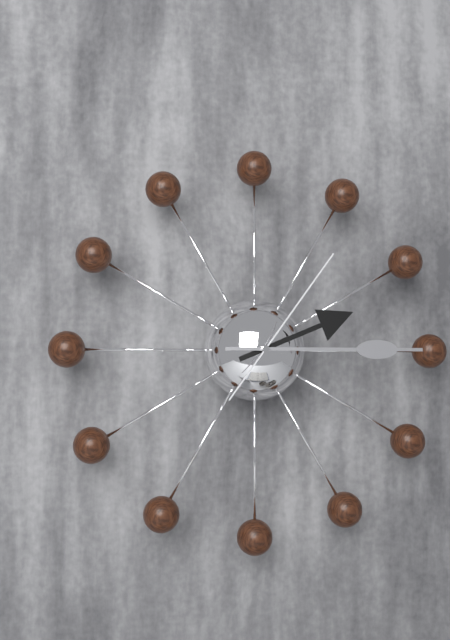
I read 2.15.06
